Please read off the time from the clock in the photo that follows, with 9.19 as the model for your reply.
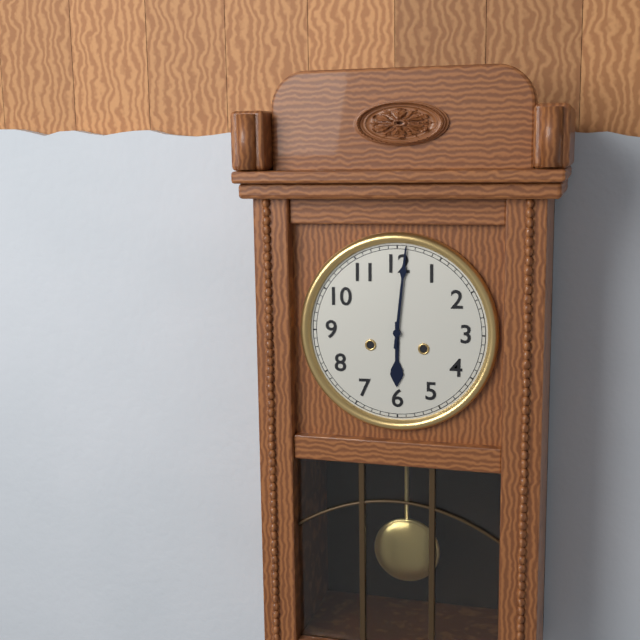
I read 6.01
